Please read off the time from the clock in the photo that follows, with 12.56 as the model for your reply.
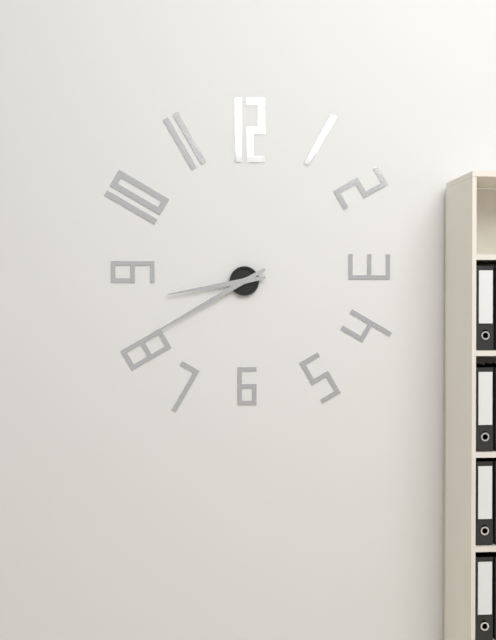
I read 8.40
